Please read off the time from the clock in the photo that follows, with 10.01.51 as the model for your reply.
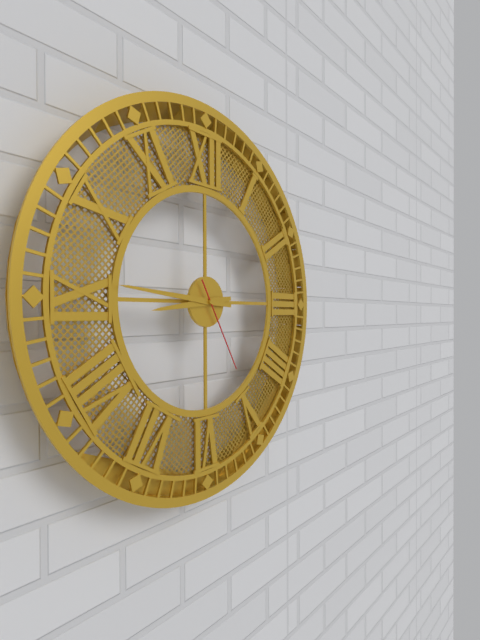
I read 8.46.25
